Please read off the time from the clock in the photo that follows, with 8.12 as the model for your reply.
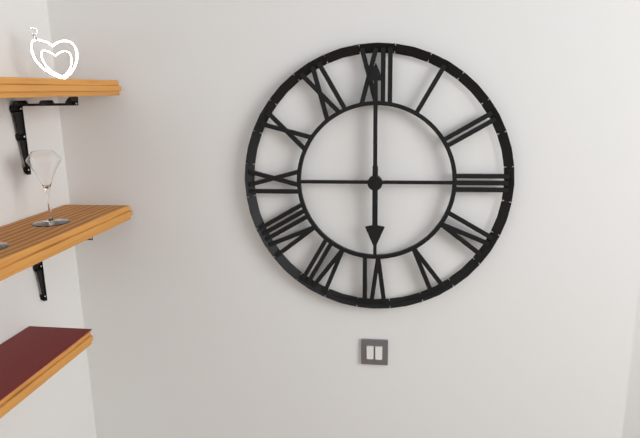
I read 6.00
